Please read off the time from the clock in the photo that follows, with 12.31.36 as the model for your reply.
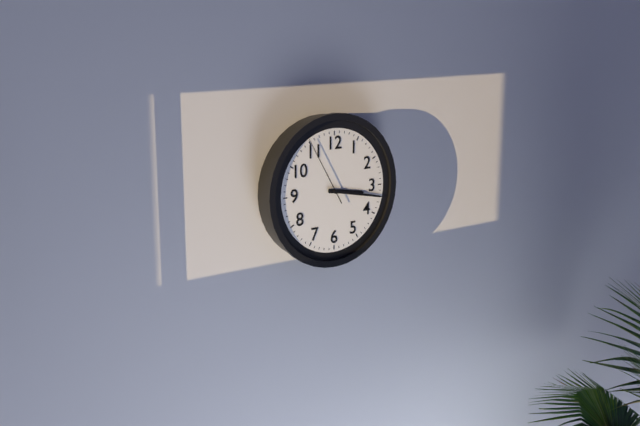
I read 3.17.55
